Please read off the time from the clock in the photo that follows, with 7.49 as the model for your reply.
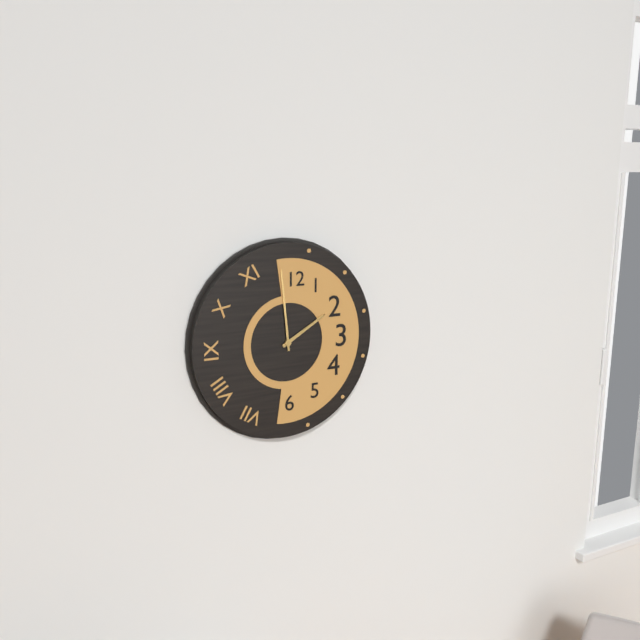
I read 1.59
